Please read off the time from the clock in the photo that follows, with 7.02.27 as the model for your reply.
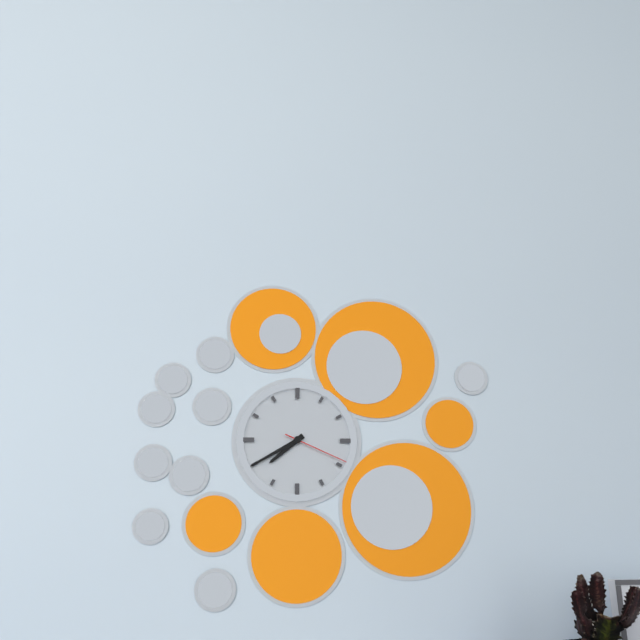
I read 7.40.19
